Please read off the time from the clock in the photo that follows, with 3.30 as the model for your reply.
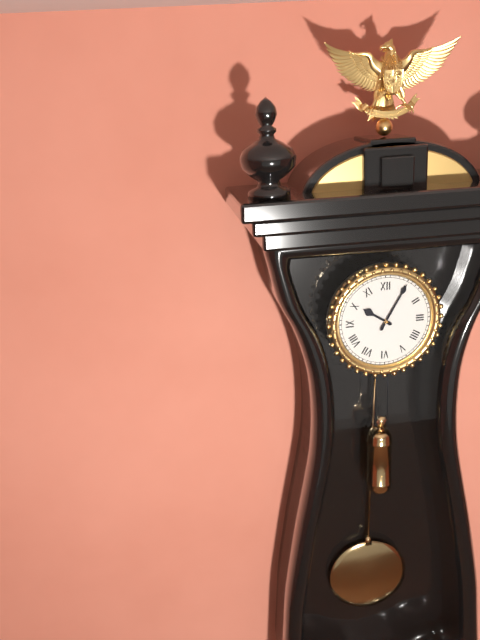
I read 10.05
